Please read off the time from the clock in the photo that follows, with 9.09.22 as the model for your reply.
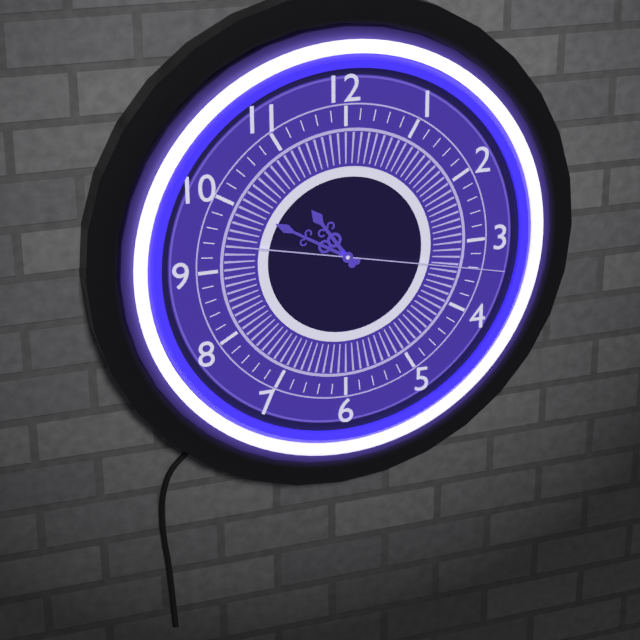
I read 10.50.17
